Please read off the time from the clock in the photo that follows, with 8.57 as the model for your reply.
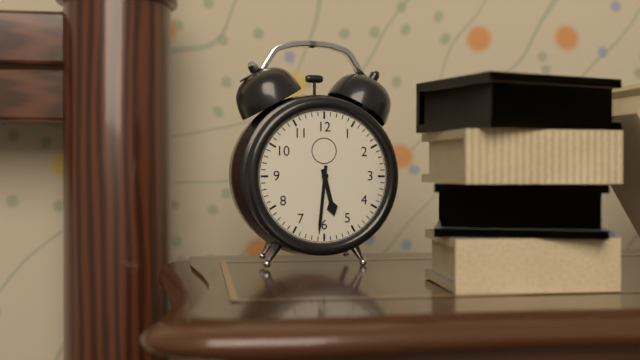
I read 5.31
